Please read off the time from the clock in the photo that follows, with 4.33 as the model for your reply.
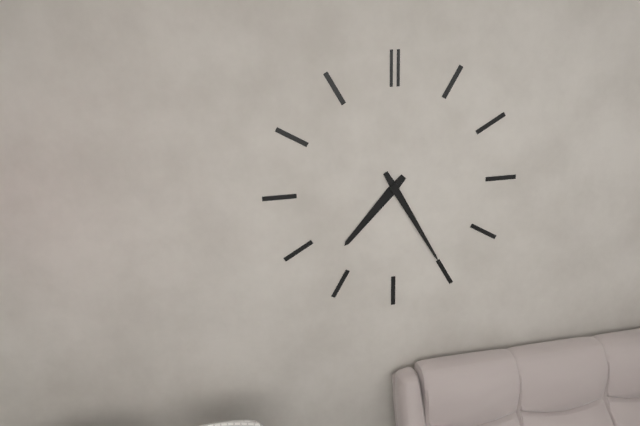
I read 7.25
